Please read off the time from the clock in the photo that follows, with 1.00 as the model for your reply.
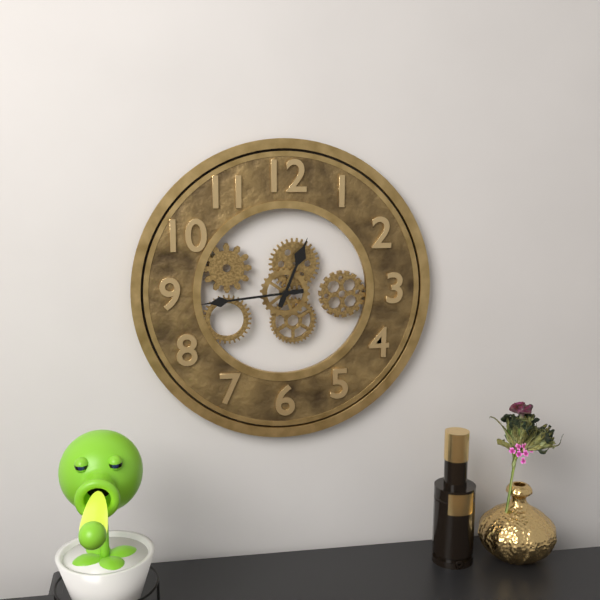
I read 12.44
